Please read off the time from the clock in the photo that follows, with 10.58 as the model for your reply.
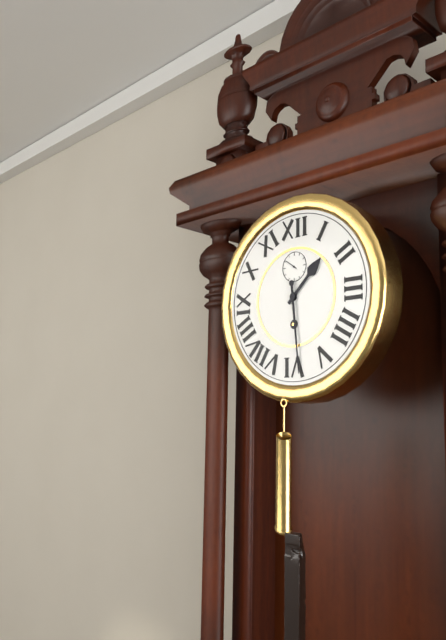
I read 1.29
